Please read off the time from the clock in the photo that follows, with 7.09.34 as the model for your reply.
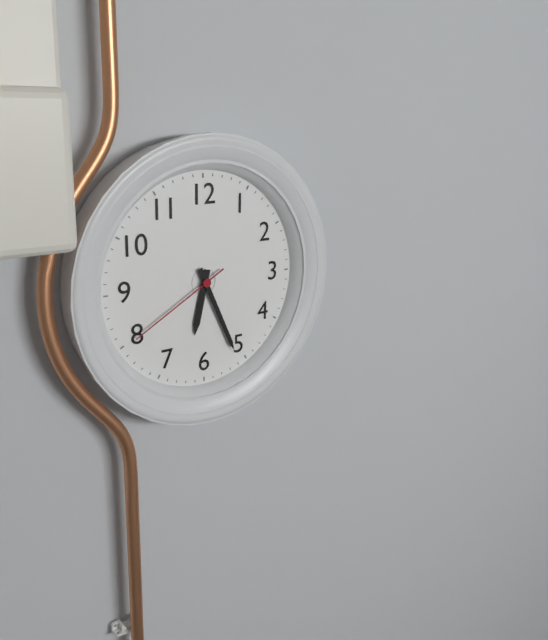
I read 6.26.40
